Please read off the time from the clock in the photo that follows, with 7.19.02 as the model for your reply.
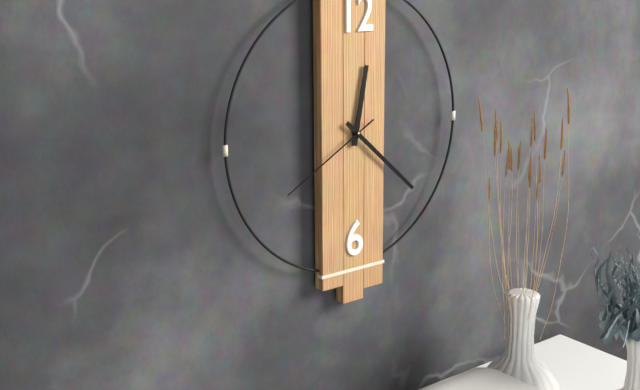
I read 12.22.40
